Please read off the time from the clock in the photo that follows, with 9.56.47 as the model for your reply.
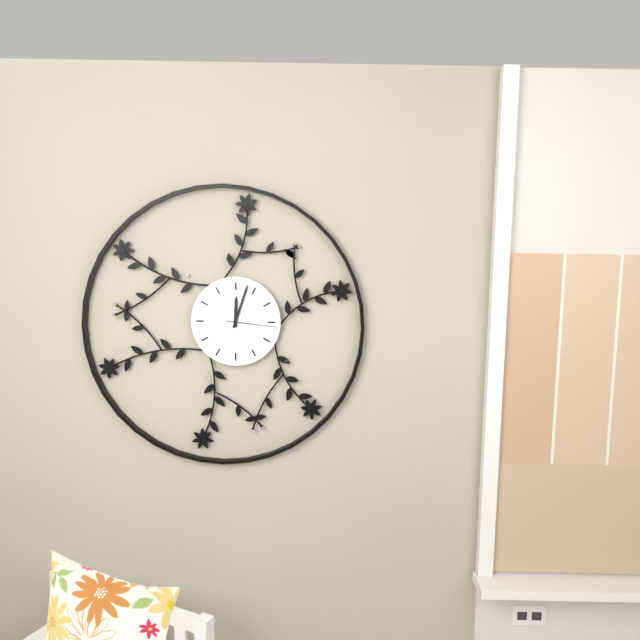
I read 12.03.16
